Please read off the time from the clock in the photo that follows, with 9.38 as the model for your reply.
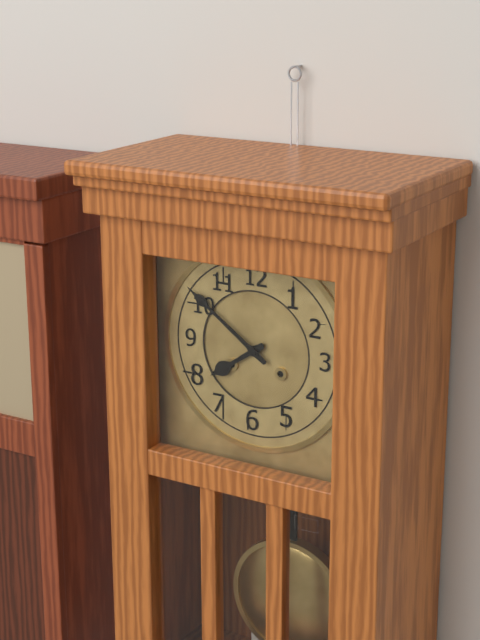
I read 7.51
